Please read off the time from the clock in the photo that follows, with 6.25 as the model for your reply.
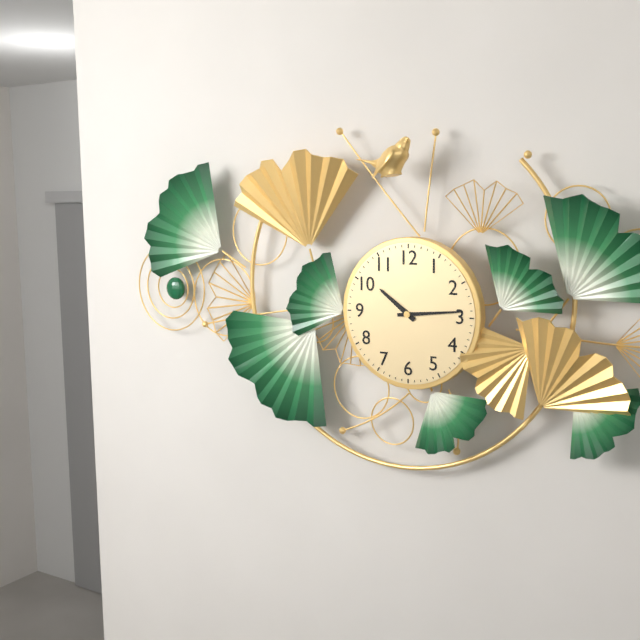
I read 10.14
